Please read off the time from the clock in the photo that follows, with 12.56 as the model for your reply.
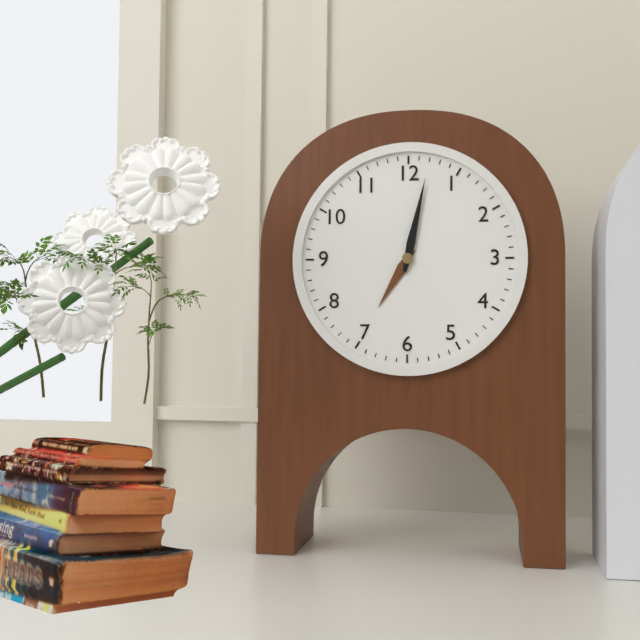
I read 7.02
